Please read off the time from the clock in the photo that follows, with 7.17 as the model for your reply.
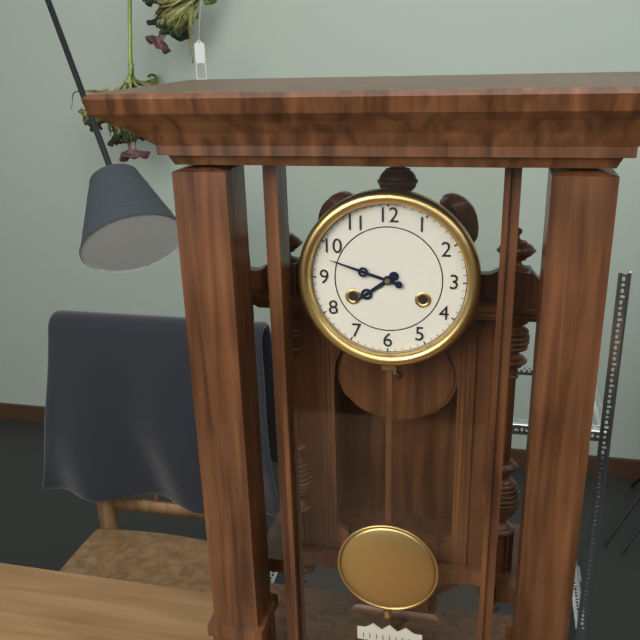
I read 7.48
